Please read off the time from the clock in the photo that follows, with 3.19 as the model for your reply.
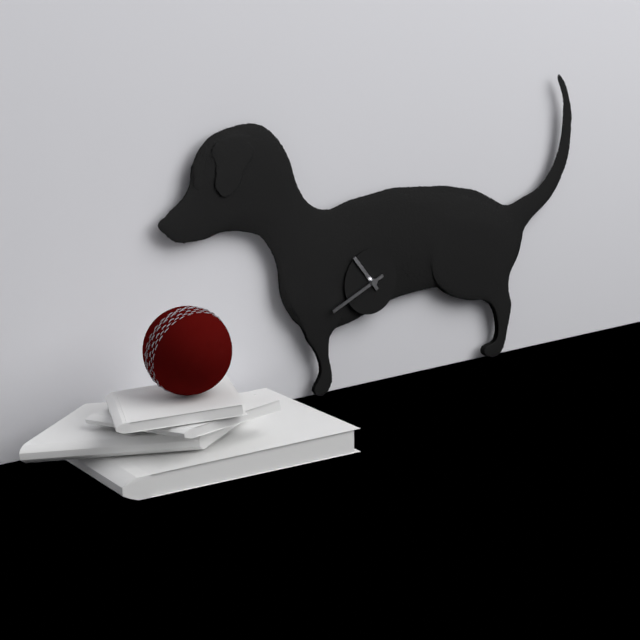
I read 10.41
